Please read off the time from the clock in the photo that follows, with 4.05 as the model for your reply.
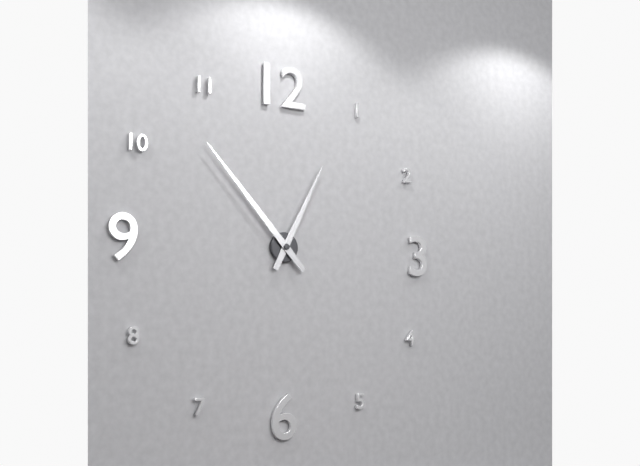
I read 12.53
